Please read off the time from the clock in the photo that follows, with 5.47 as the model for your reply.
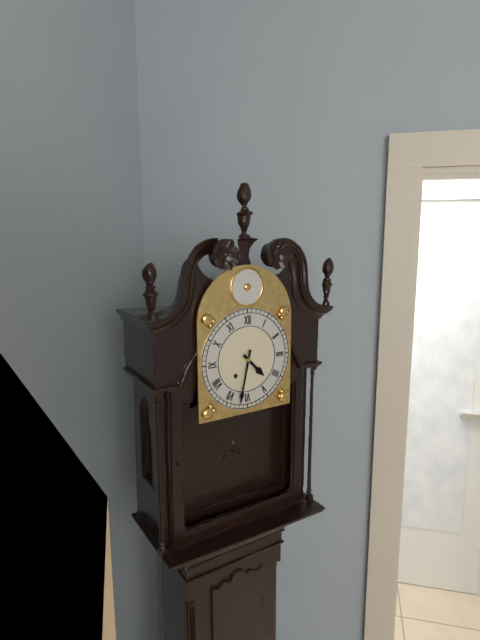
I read 4.32
